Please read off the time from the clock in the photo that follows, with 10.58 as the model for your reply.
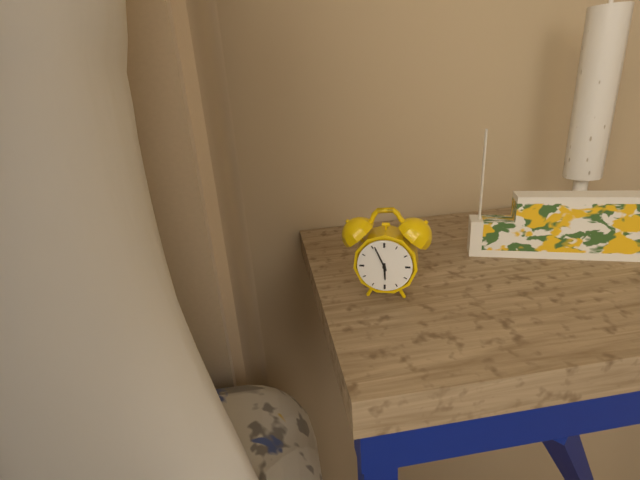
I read 5.56
